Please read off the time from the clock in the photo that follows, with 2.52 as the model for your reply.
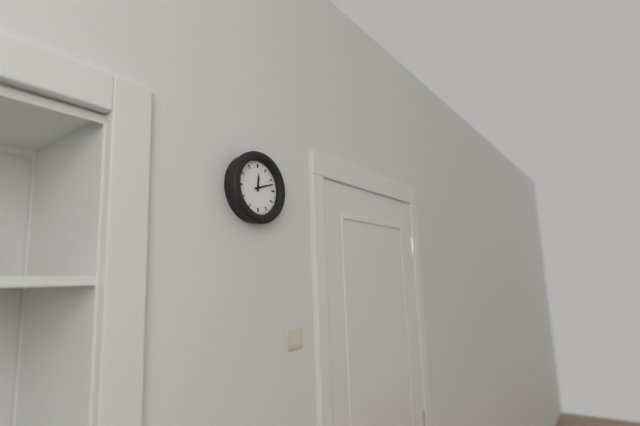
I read 12.12
